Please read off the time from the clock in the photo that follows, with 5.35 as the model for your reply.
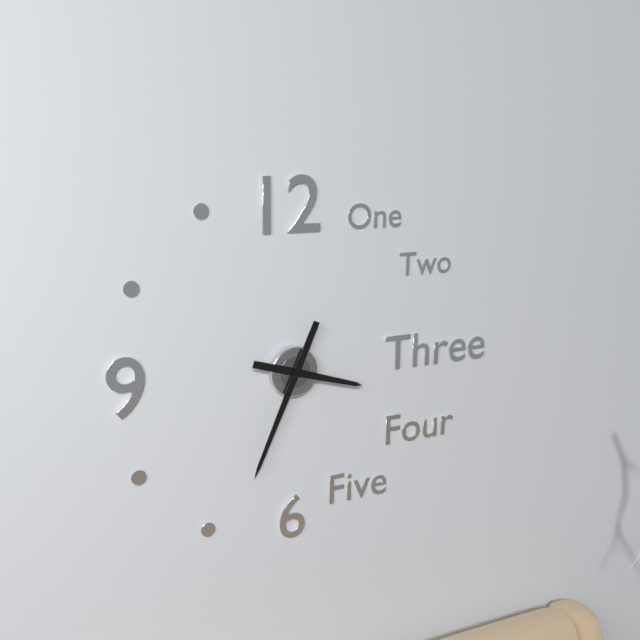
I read 3.34
